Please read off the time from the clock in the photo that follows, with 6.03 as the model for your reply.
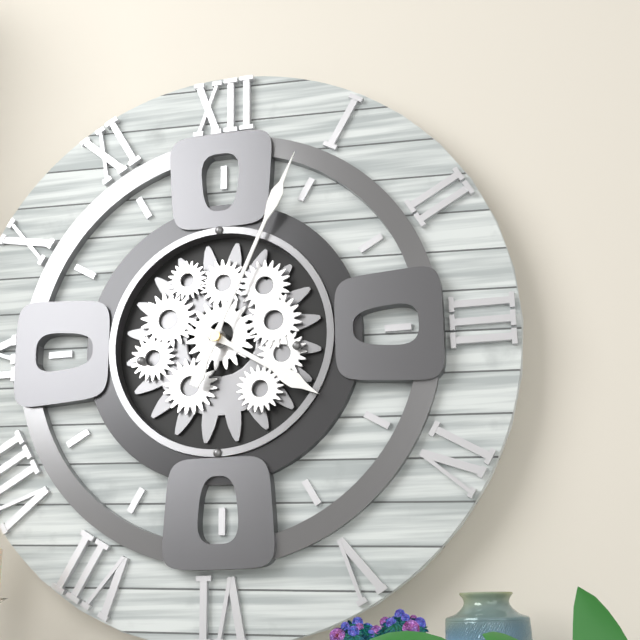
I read 4.04
